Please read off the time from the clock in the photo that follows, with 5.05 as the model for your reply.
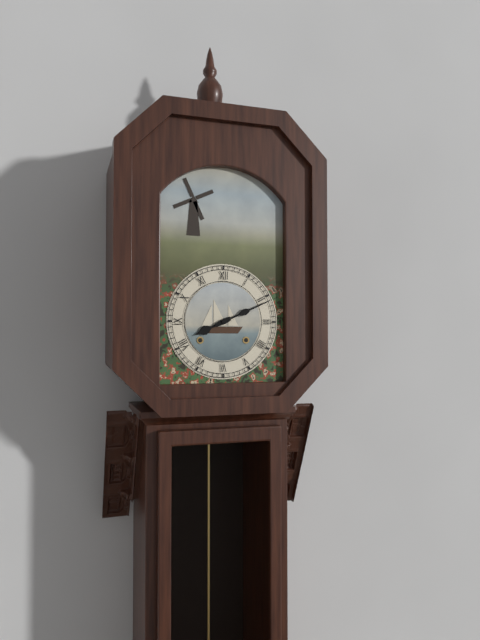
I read 8.11
